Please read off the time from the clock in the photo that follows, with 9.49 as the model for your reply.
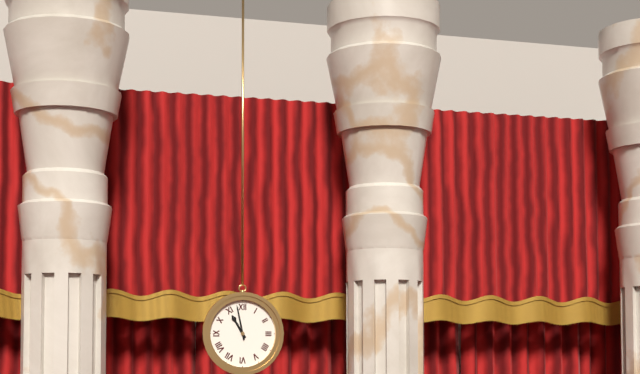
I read 10.58
